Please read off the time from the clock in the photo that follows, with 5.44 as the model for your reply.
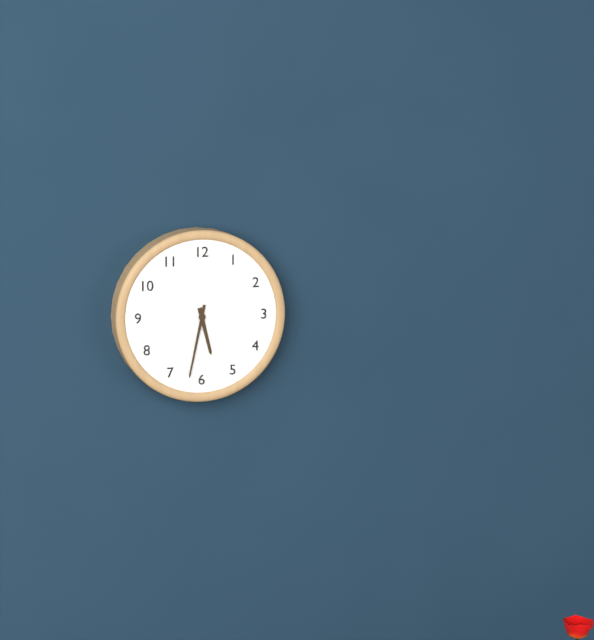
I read 5.32
